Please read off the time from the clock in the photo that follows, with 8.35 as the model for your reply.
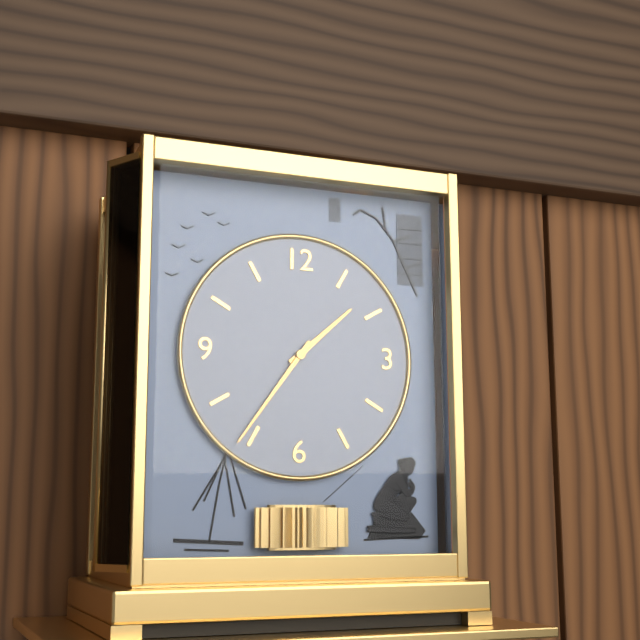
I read 1.36
